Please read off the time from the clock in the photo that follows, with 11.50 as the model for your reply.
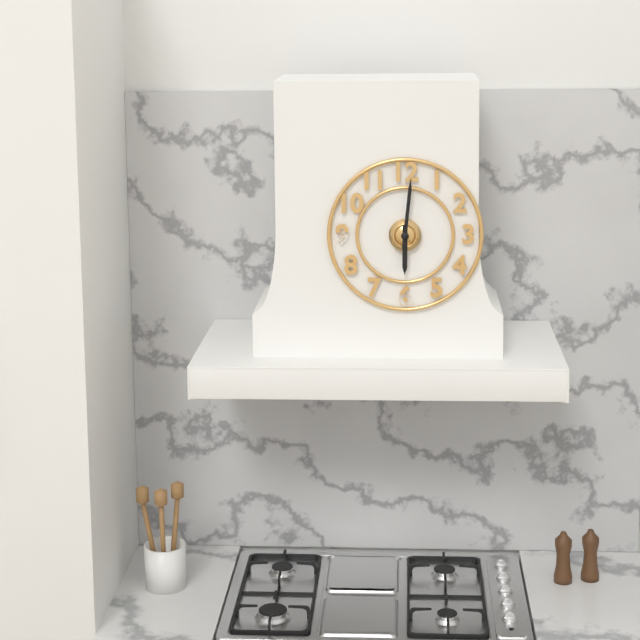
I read 6.01
